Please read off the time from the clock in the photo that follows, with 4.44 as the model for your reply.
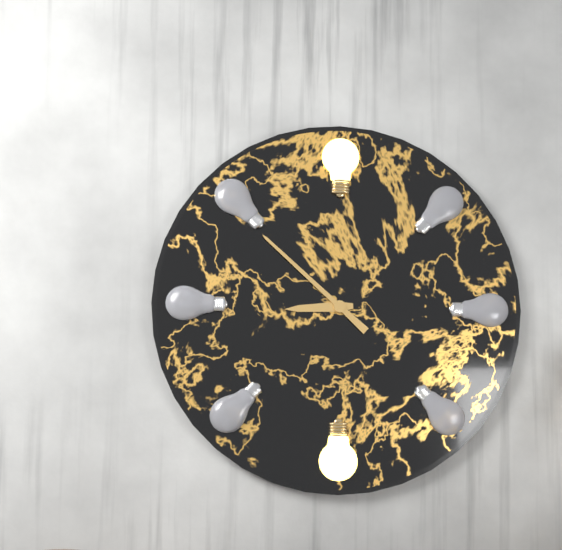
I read 8.52
